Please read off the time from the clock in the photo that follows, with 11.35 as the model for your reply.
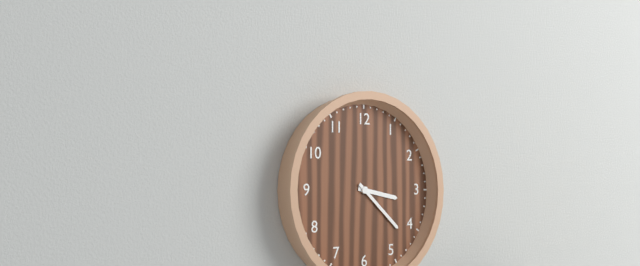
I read 3.22
